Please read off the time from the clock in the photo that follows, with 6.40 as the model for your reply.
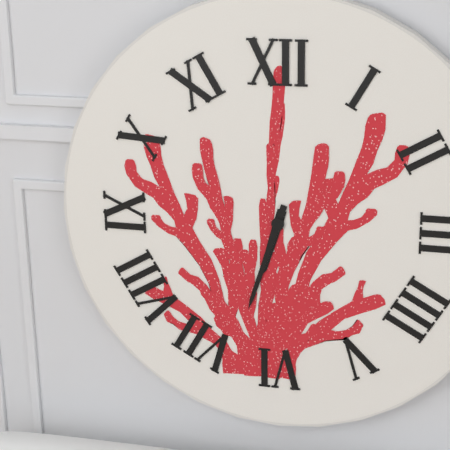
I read 6.33
